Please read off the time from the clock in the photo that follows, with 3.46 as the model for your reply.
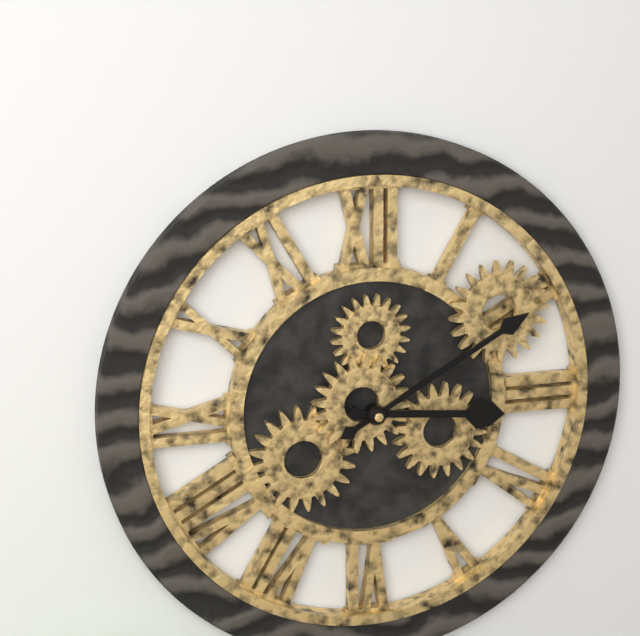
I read 3.10
